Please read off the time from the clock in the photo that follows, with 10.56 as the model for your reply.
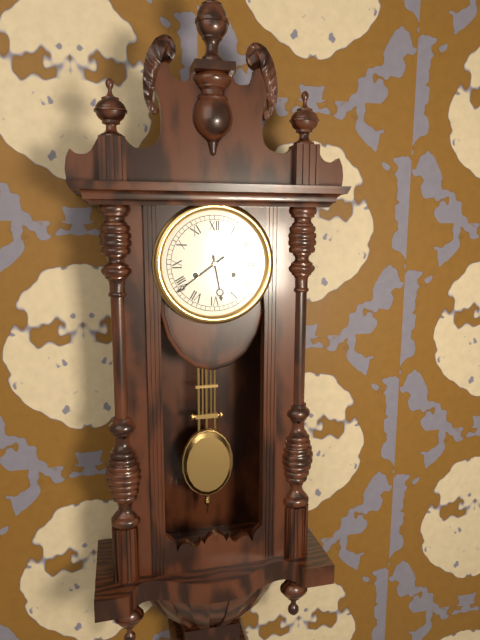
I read 5.39
